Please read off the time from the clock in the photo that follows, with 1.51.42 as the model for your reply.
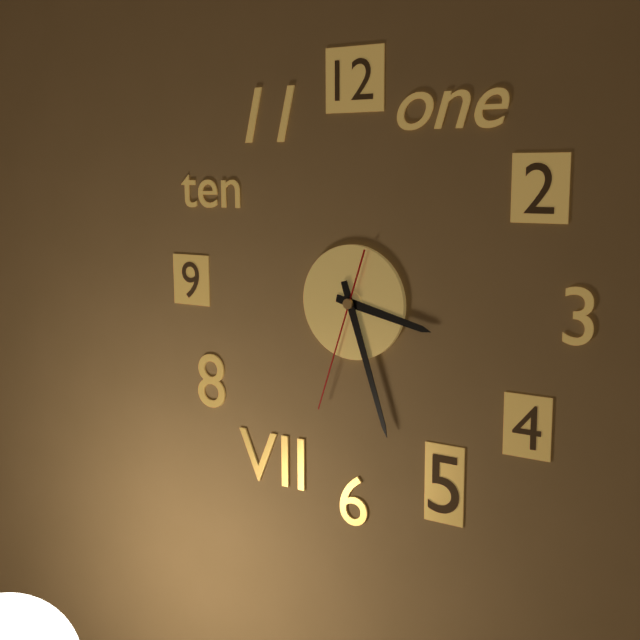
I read 3.27.33
